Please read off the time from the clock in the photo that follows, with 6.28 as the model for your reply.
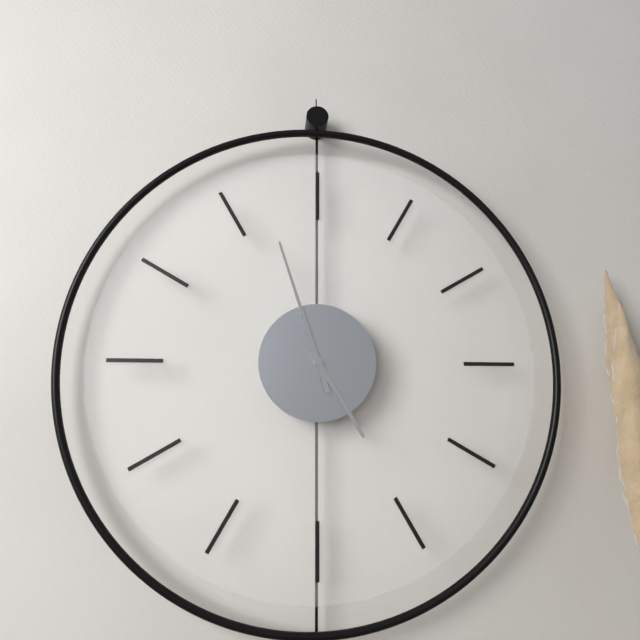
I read 4.57
